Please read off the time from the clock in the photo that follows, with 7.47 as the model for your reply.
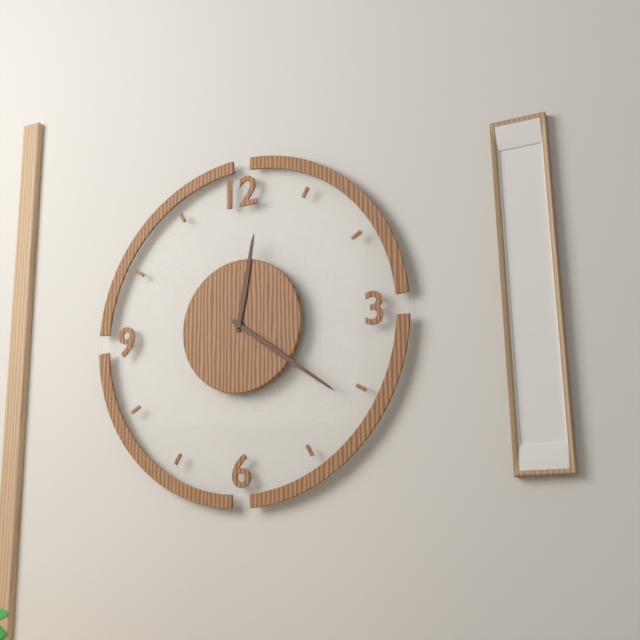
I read 12.21
